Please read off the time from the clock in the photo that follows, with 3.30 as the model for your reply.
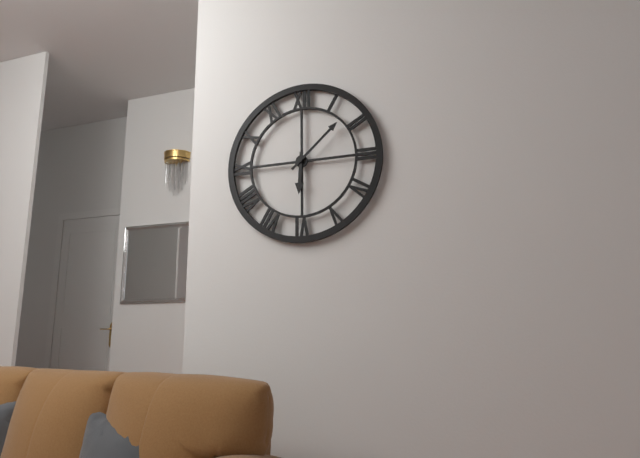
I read 6.08
